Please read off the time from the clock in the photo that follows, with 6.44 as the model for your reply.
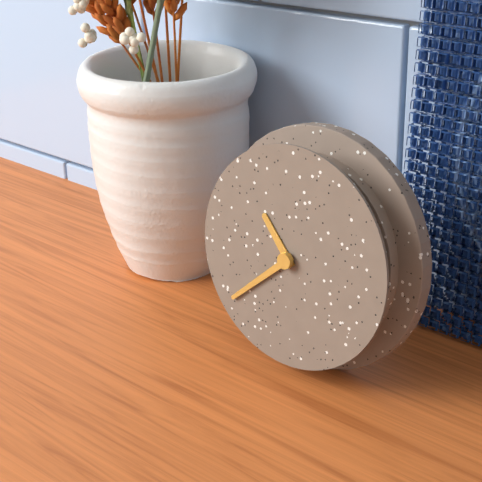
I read 10.38
